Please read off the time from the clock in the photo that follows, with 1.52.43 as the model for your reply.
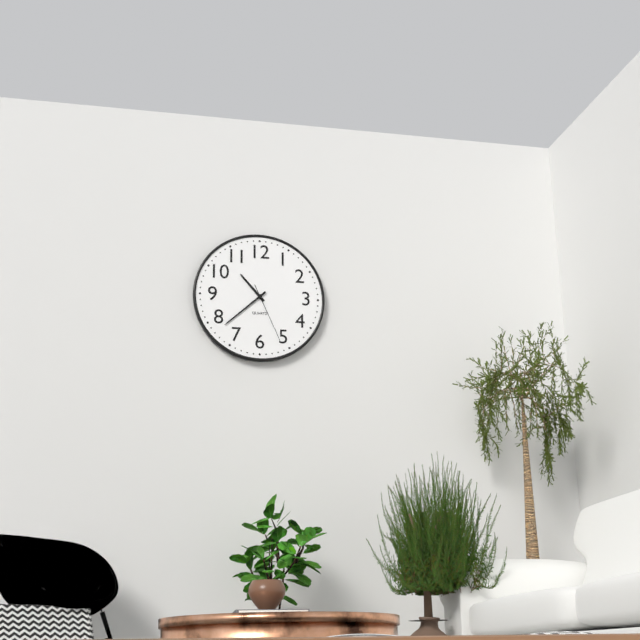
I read 10.38.26
